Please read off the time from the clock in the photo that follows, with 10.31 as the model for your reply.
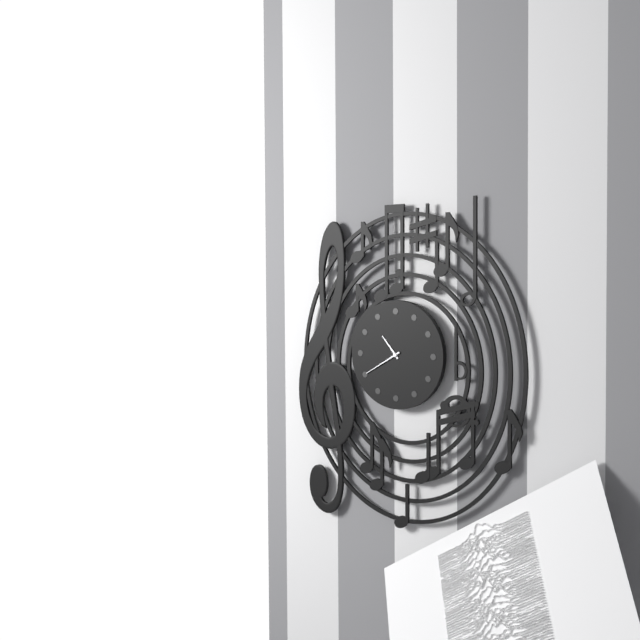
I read 10.40
